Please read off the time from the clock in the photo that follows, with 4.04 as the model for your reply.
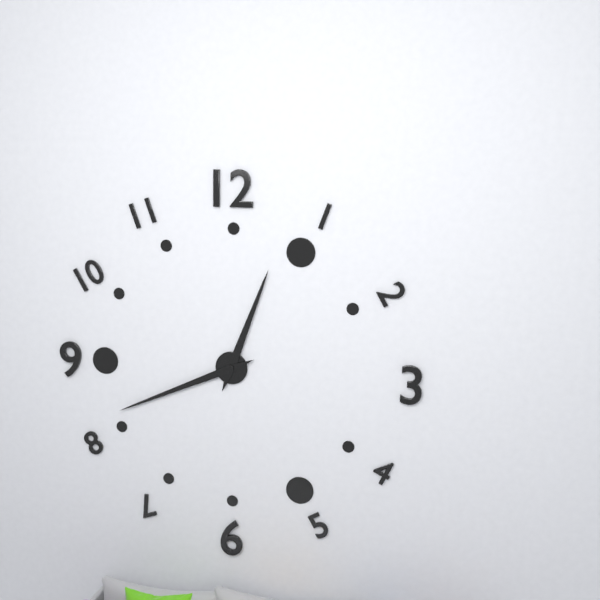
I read 12.41
